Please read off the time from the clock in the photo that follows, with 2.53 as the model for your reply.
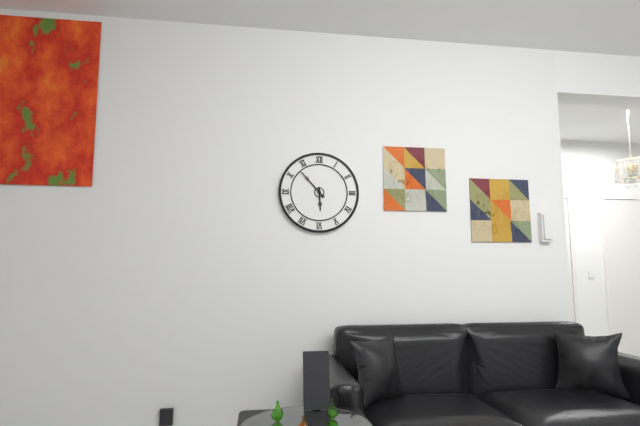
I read 5.53
